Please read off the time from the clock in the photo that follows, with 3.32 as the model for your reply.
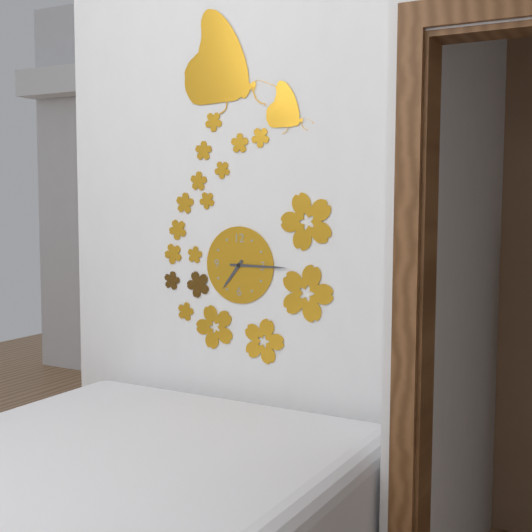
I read 7.15
